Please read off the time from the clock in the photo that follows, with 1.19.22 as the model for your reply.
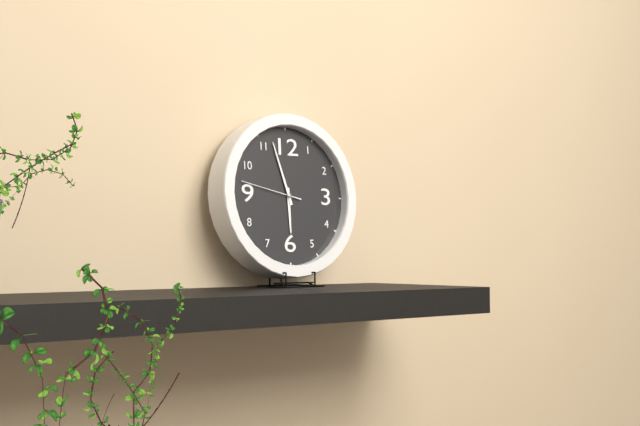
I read 5.57.47
